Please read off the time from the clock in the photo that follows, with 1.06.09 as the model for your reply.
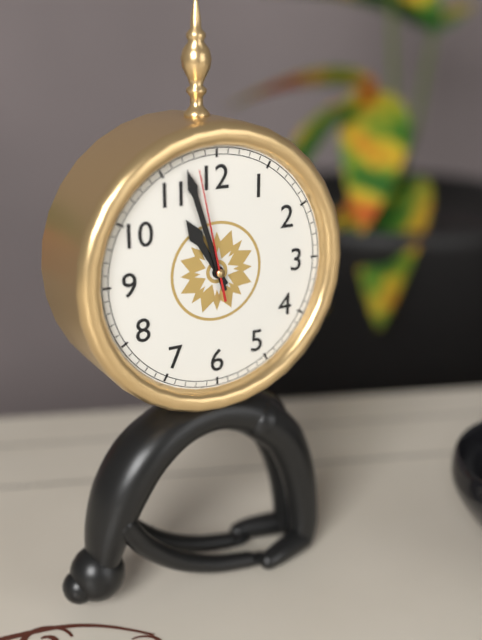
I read 10.57.58
